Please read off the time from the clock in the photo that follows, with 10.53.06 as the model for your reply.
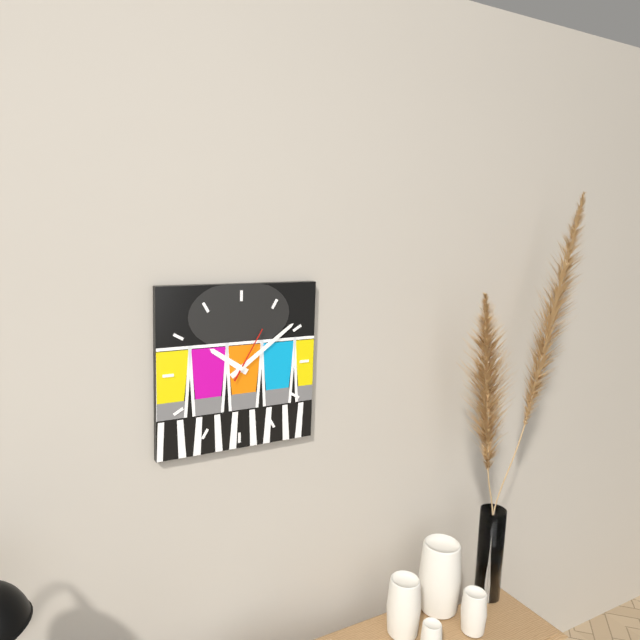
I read 10.09.05
